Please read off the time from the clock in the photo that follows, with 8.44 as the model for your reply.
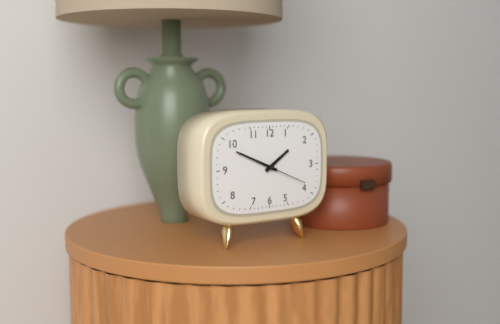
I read 1.49
